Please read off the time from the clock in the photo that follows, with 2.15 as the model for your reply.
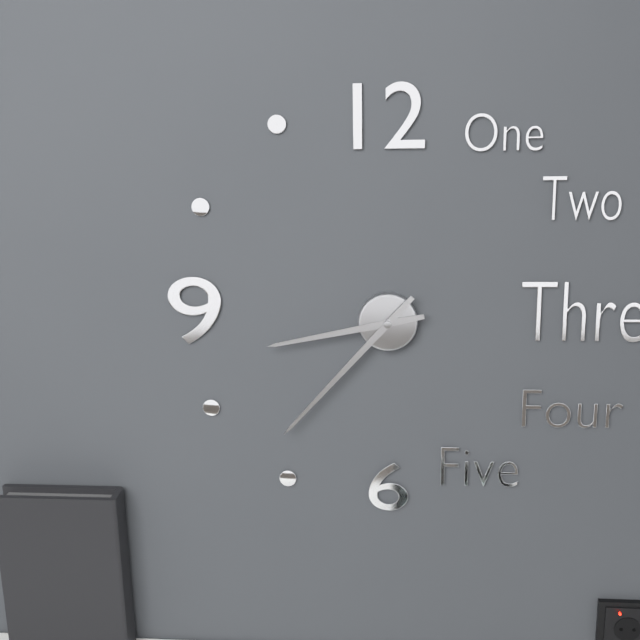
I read 8.37
